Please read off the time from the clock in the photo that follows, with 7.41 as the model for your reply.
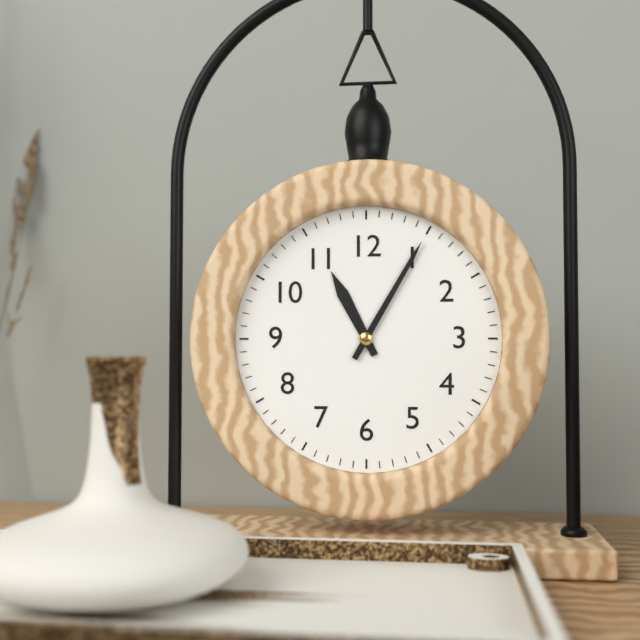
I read 11.05
